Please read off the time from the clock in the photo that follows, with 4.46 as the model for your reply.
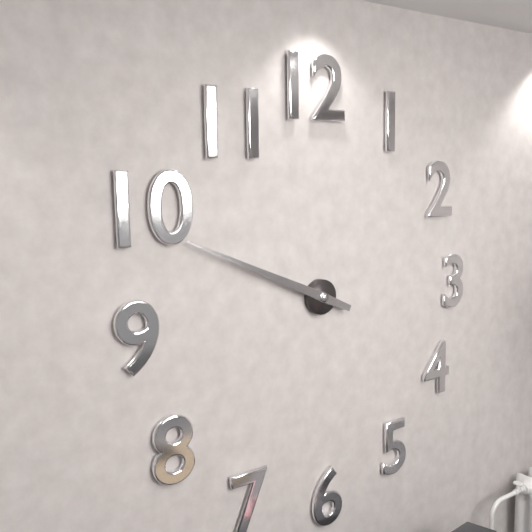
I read 9.49
